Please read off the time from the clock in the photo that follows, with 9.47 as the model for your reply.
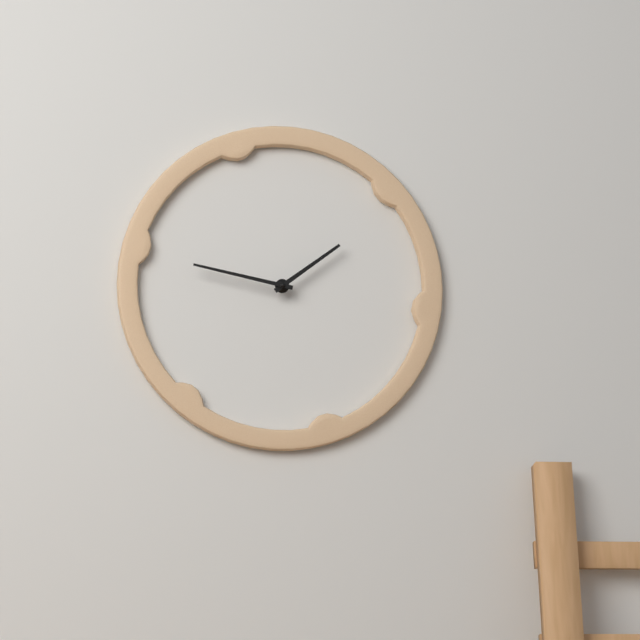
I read 1.47
